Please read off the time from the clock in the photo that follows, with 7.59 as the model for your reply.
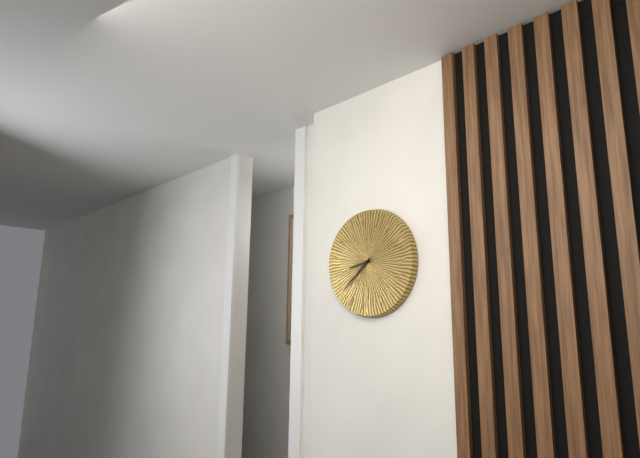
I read 8.38
